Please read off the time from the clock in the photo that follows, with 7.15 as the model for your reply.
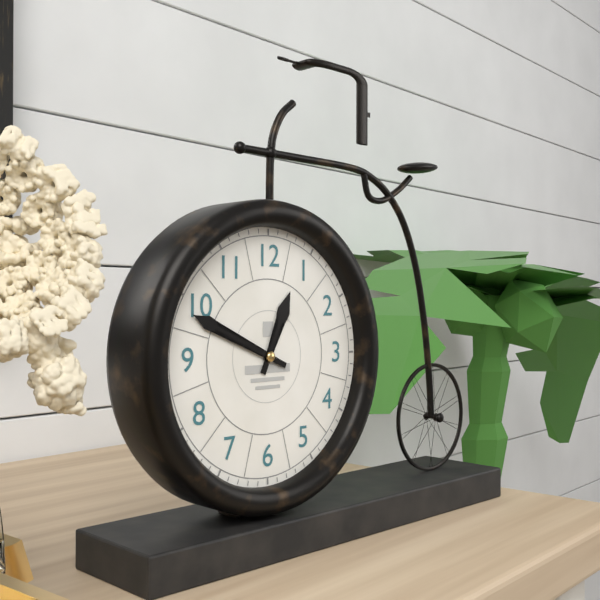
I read 12.49
